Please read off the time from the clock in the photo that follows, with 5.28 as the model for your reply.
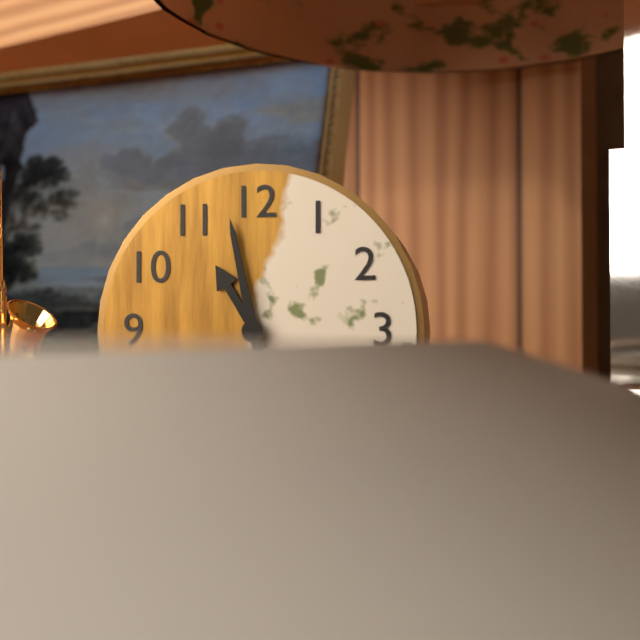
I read 10.58
